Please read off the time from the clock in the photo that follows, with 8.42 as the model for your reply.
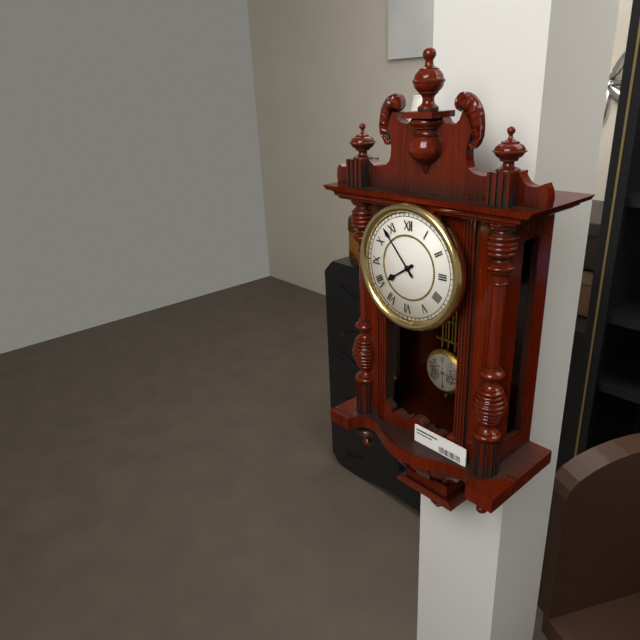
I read 7.53
